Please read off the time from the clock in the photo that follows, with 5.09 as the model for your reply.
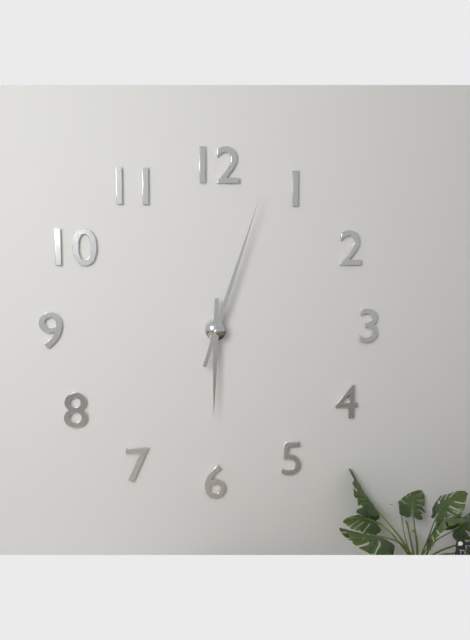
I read 6.03
